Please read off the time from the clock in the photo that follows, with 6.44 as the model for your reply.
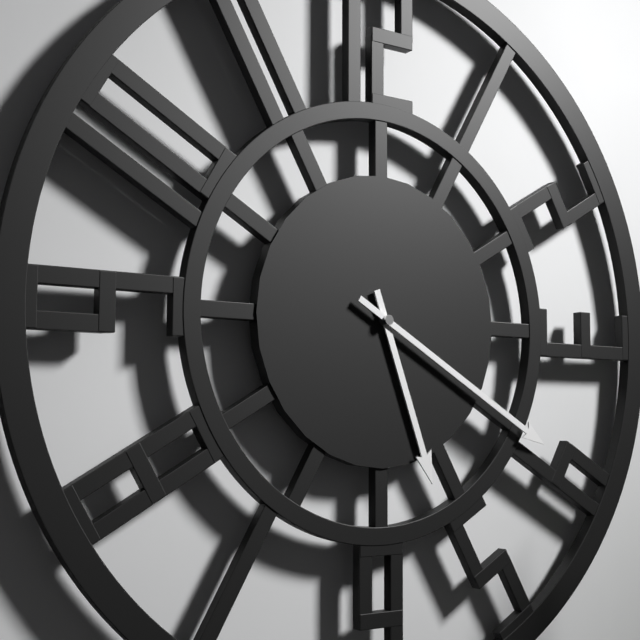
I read 5.20
